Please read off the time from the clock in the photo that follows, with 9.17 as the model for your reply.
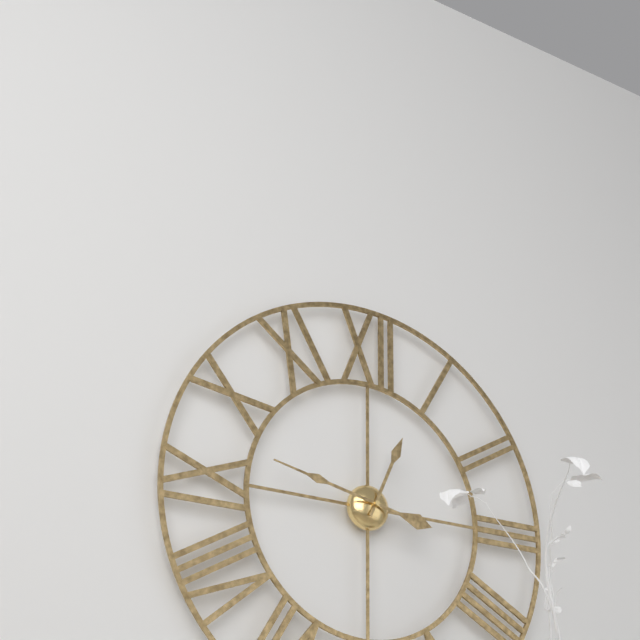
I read 12.47
